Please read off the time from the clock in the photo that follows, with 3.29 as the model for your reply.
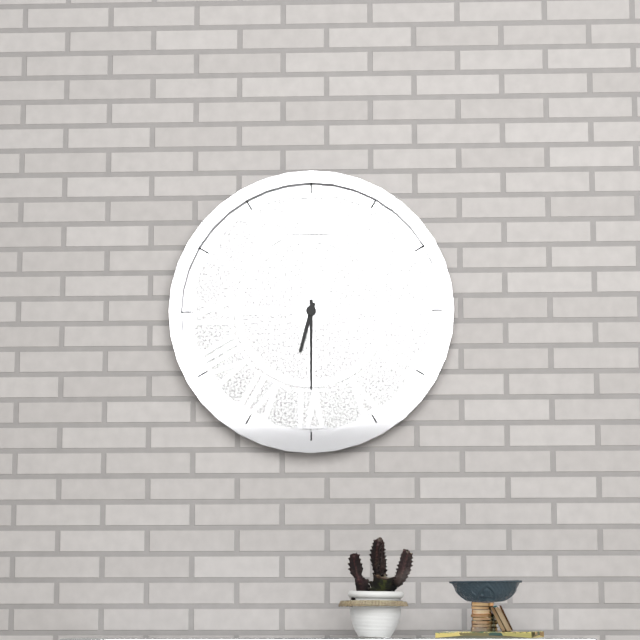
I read 6.30
